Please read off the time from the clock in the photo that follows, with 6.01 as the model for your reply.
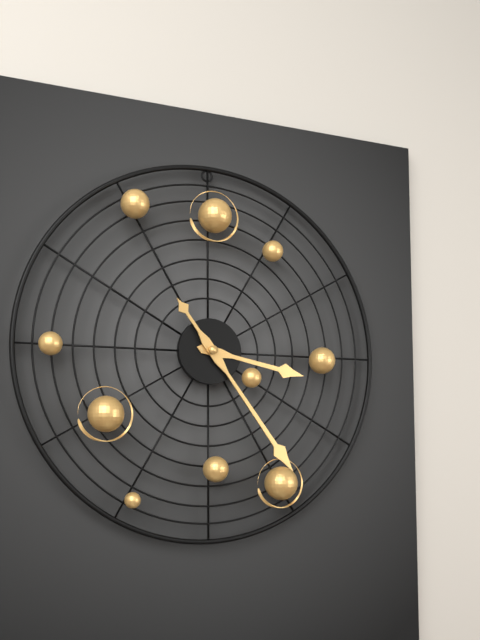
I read 3.24
